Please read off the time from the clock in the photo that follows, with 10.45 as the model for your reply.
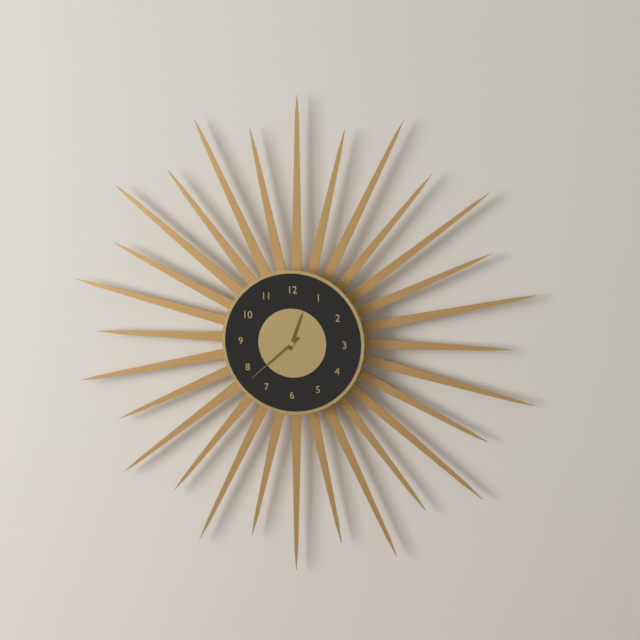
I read 12.38
